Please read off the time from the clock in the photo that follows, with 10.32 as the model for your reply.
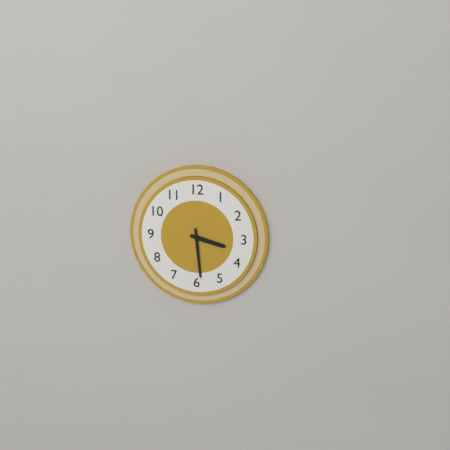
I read 3.29
